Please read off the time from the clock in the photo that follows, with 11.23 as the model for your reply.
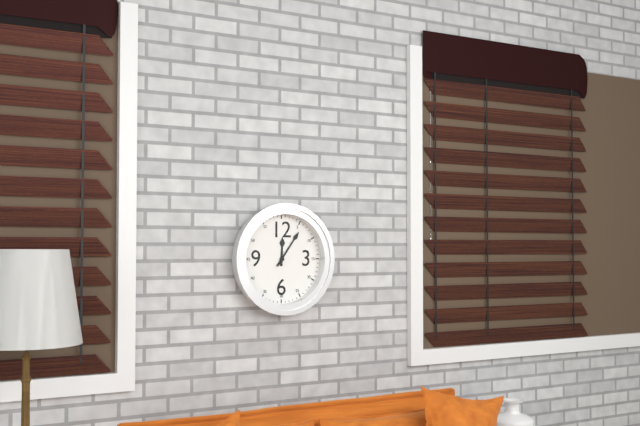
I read 12.06
